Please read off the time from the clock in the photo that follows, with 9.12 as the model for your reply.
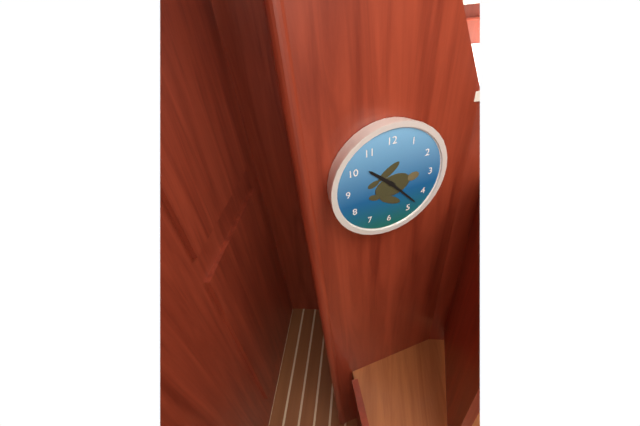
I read 10.23
